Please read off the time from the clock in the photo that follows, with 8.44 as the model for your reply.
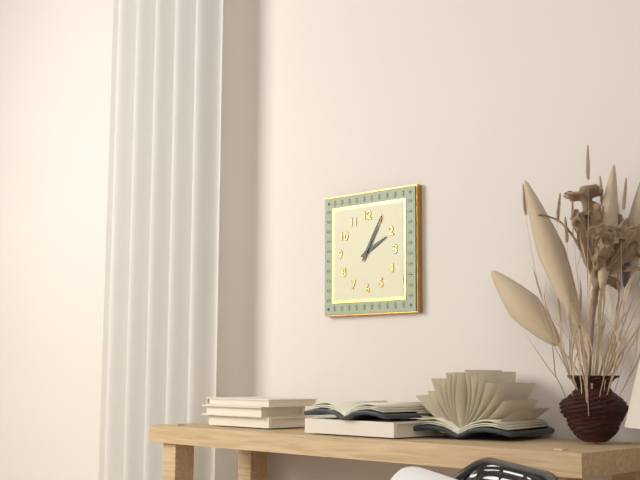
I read 2.05
